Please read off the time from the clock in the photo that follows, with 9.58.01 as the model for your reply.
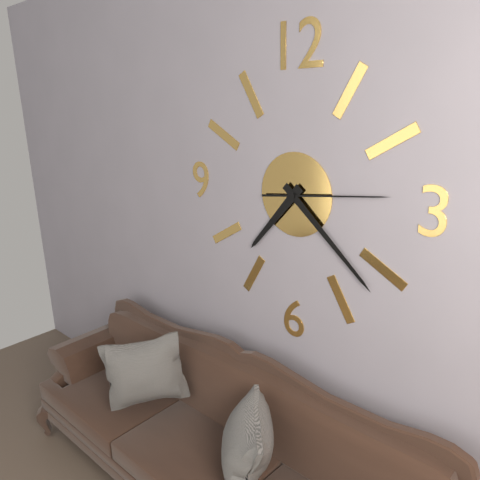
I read 7.22.14
